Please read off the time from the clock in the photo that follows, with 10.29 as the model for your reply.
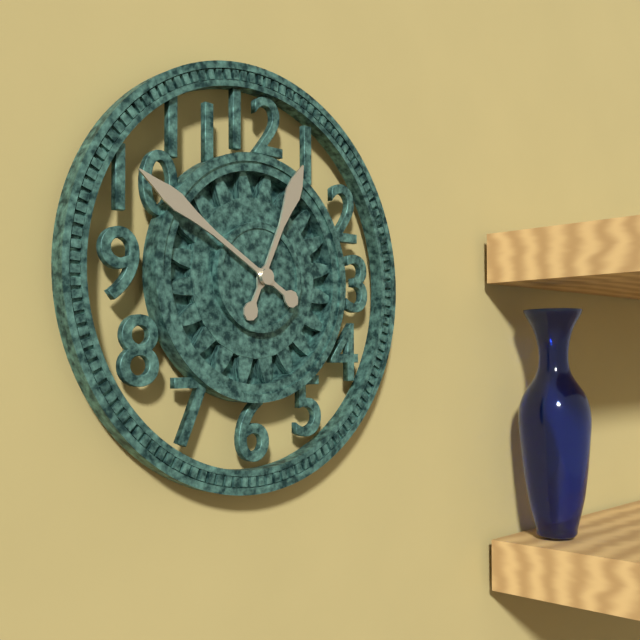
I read 12.50
